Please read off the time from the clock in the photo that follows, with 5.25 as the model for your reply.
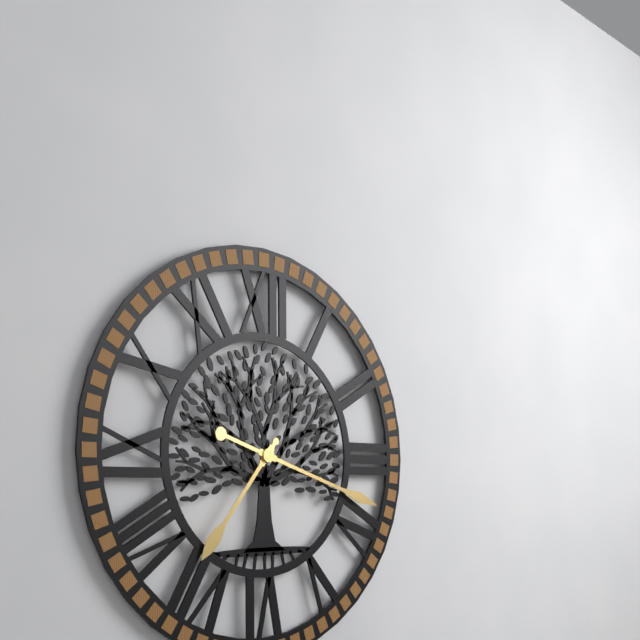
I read 7.18
